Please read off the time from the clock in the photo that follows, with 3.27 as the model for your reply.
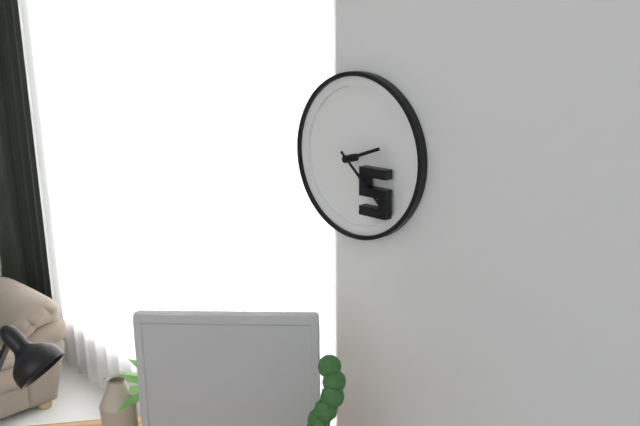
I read 2.22
